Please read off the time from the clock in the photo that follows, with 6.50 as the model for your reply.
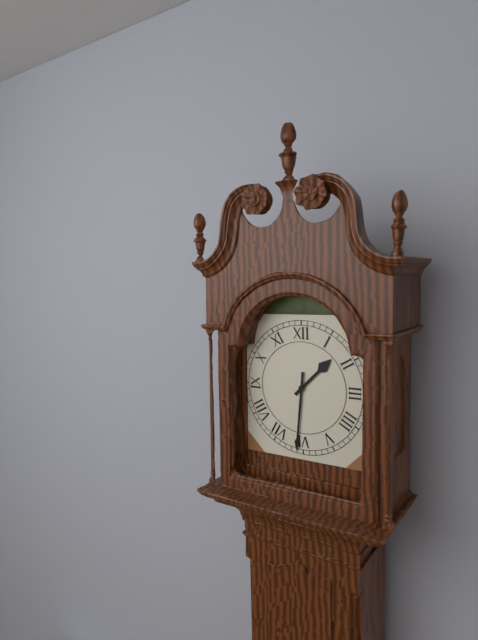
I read 1.31
